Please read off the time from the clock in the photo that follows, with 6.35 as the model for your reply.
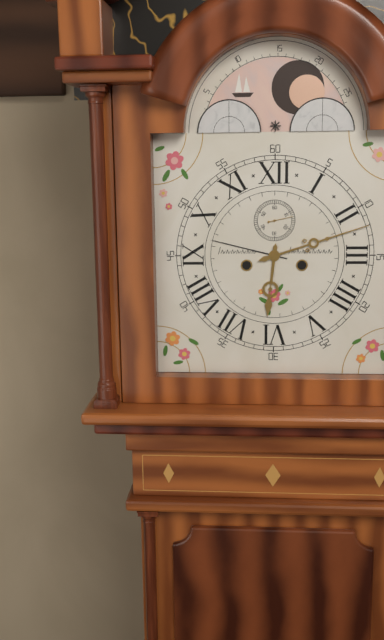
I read 6.12
